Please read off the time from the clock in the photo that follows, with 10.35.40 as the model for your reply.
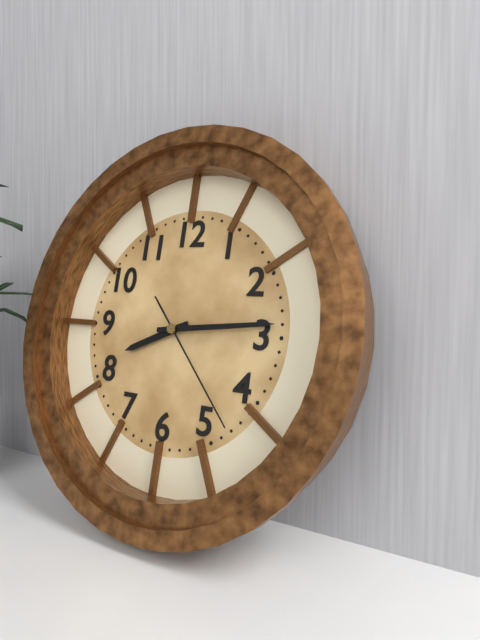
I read 8.14.23
